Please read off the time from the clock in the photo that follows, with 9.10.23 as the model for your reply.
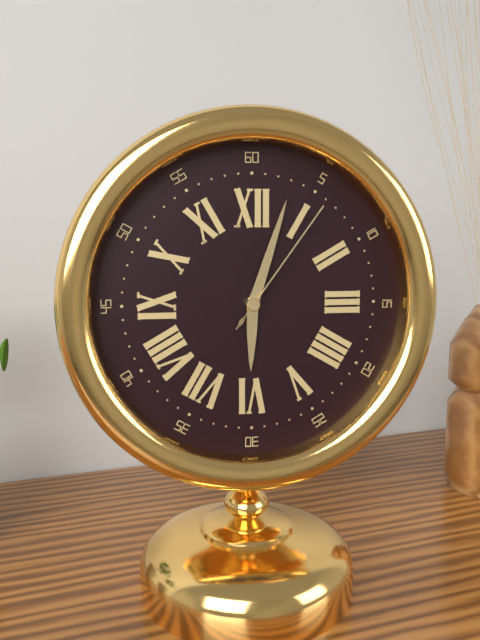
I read 6.03.06
